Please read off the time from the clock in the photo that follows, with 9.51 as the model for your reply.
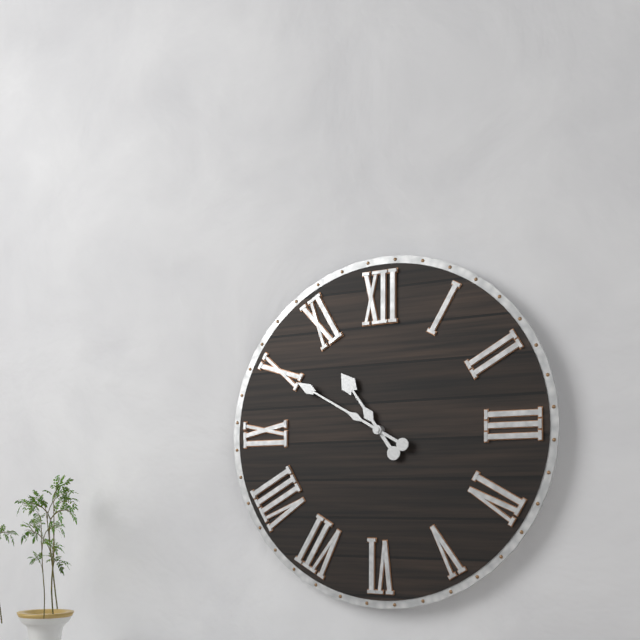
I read 10.50
